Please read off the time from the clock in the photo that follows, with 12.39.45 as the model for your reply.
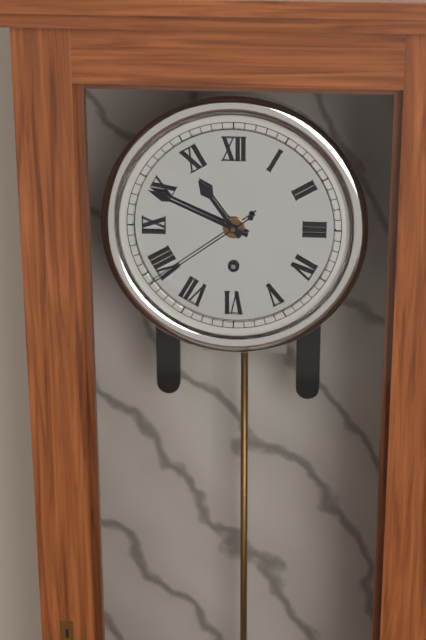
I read 10.49.39
